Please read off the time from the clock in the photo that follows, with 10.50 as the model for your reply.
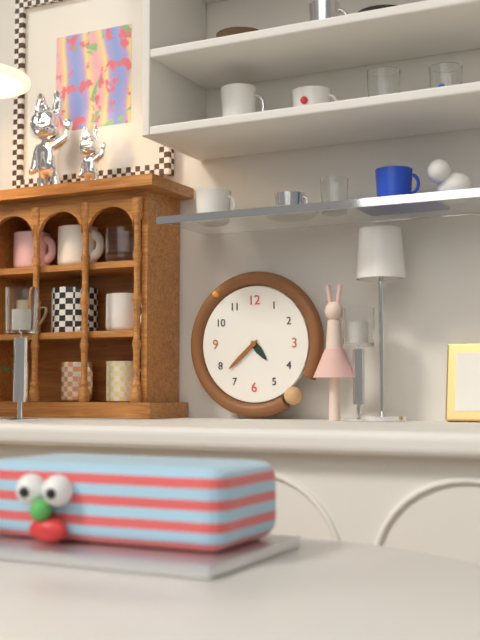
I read 4.38
